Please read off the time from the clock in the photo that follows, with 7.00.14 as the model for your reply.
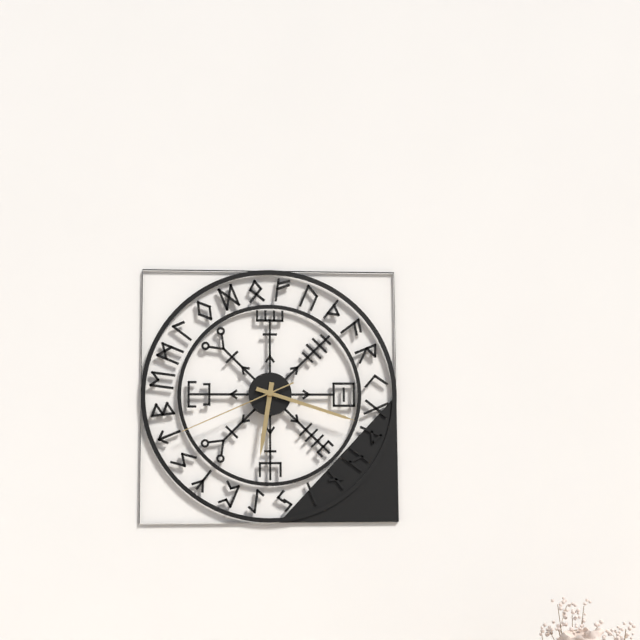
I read 6.18.41
